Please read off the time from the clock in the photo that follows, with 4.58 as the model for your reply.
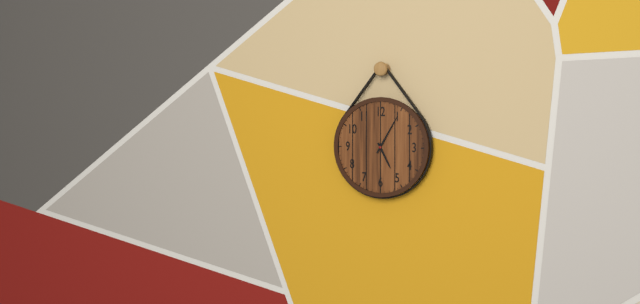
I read 5.05
